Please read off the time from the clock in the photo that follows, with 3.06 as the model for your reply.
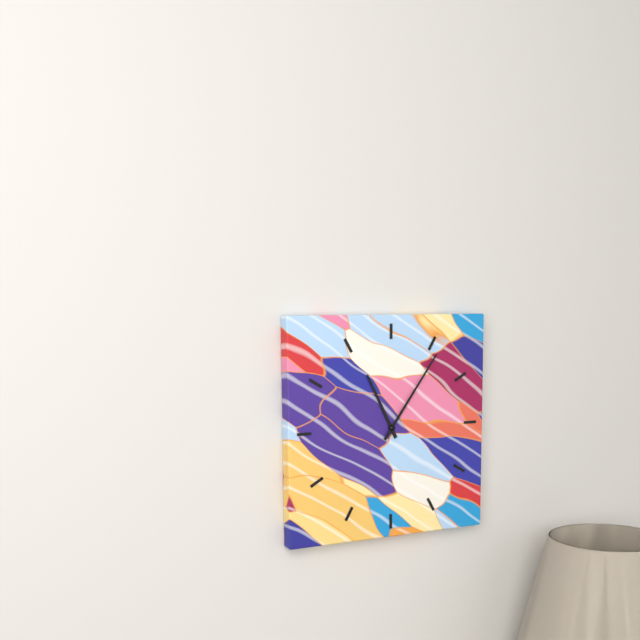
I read 11.06
